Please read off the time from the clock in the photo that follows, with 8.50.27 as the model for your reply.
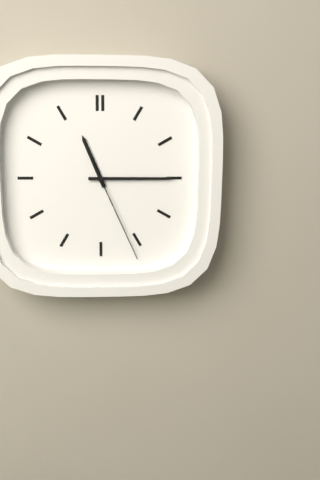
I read 11.15.26
